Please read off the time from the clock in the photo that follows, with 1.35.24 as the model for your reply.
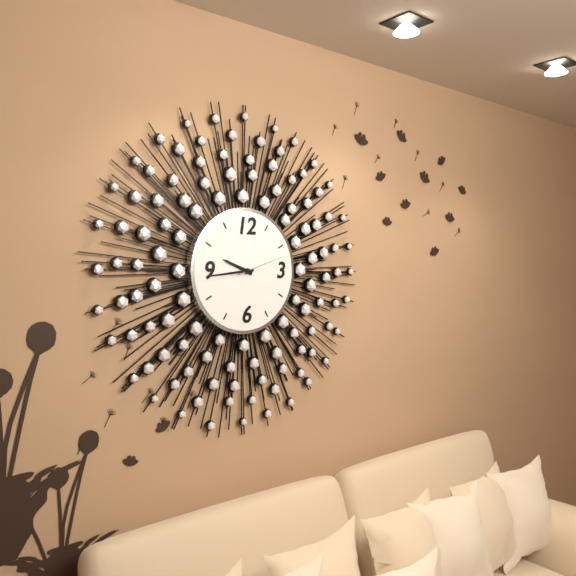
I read 9.44.12
